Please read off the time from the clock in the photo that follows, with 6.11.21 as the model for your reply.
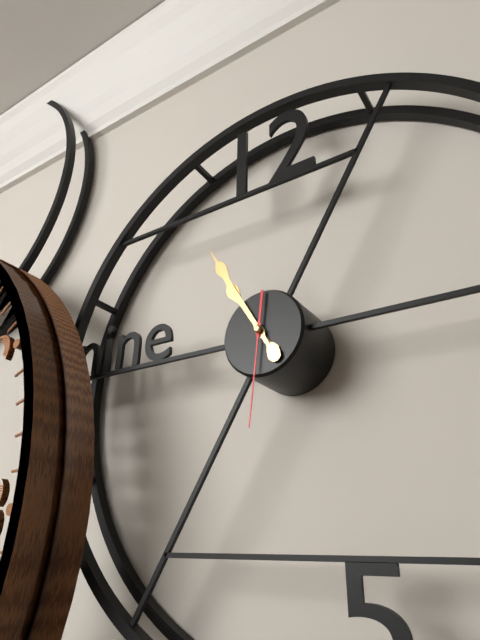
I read 10.55.31
